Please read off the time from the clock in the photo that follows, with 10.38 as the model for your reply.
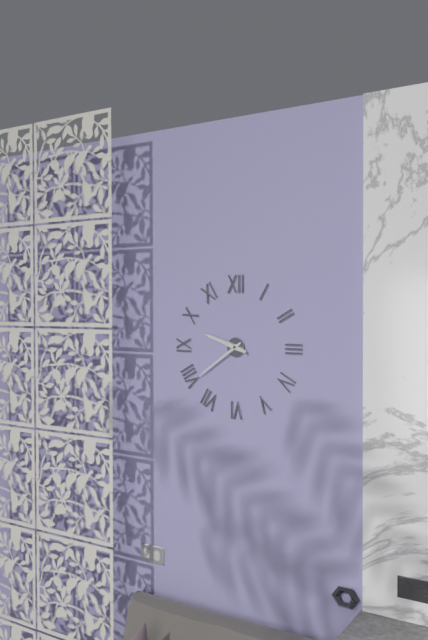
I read 9.39
